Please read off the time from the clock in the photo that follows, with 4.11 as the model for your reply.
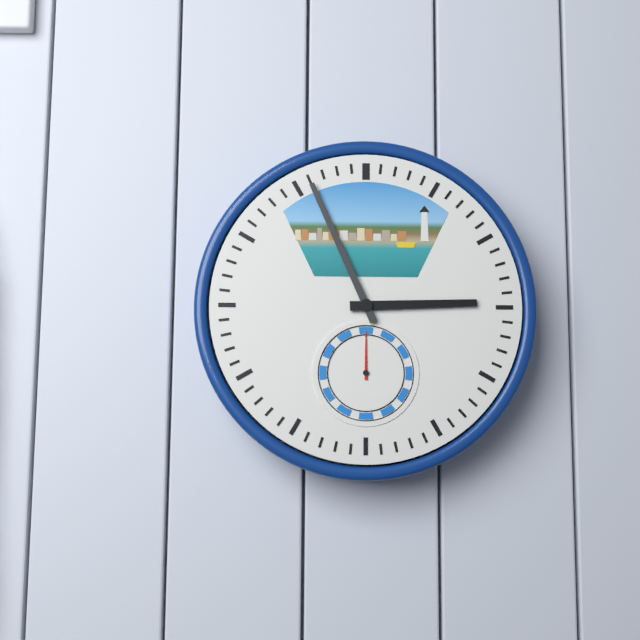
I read 2.56
